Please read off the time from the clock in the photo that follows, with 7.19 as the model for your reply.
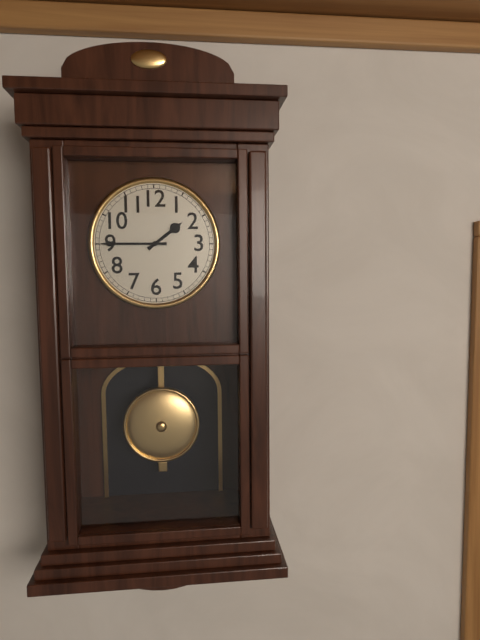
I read 1.45
